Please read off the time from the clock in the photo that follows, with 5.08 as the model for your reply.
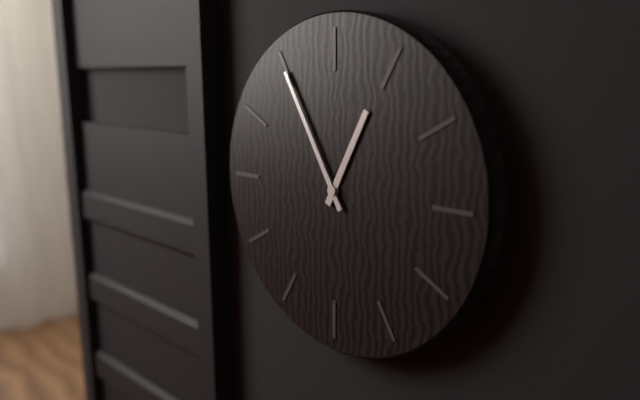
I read 12.55
